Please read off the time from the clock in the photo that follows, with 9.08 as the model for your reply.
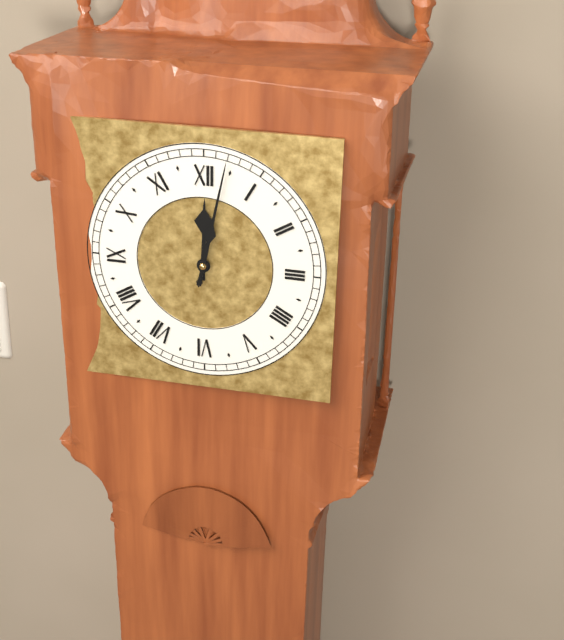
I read 12.02
